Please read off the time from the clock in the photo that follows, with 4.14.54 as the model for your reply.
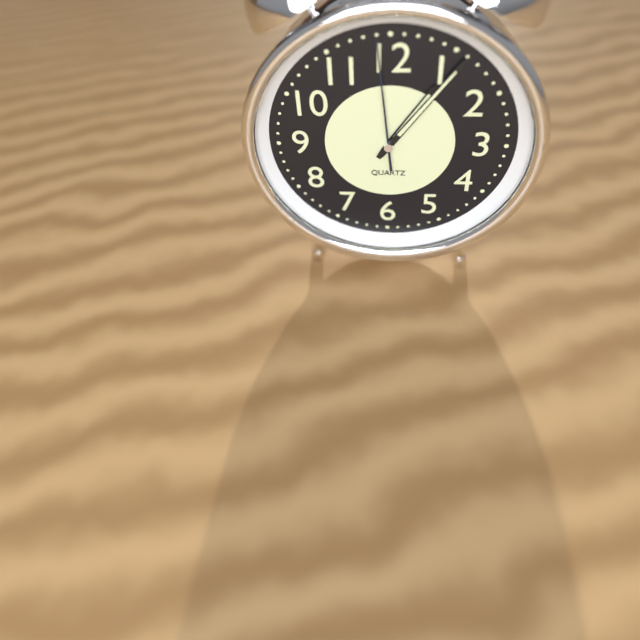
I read 1.06.59
